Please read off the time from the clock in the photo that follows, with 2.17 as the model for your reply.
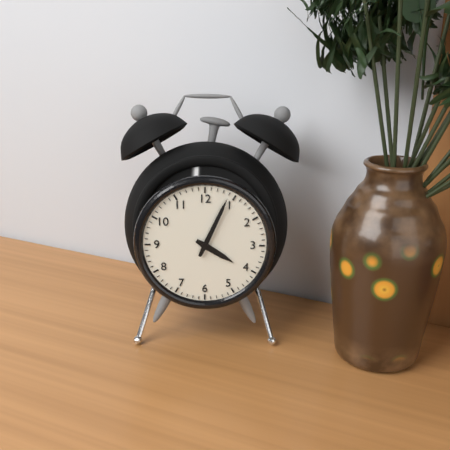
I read 4.04
